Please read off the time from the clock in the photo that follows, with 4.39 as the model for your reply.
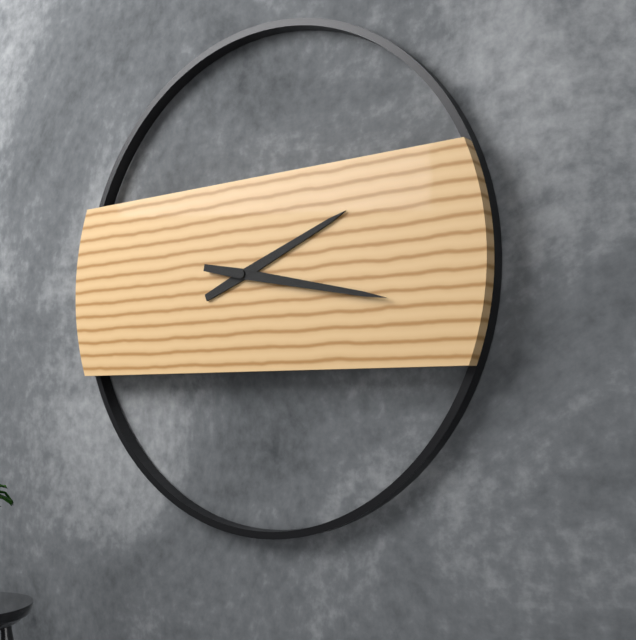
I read 2.17
